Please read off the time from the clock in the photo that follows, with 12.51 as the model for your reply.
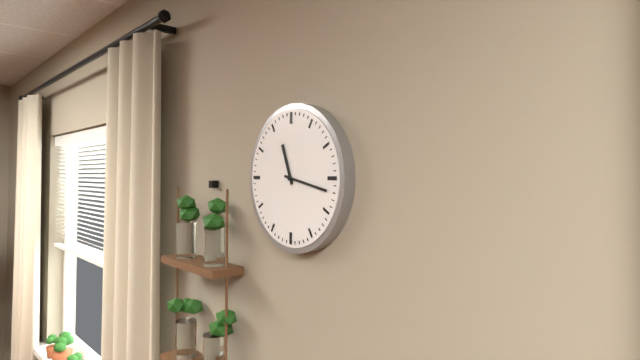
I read 11.17
